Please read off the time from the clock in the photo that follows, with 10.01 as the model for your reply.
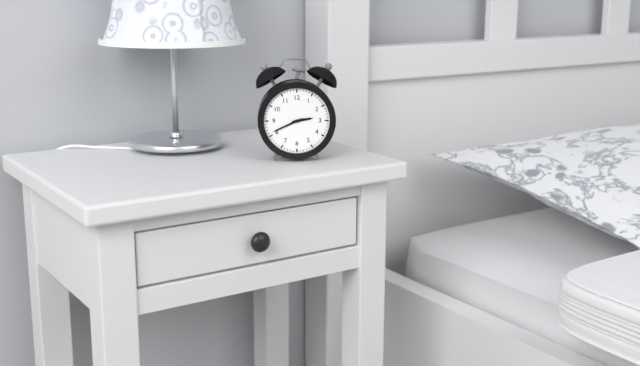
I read 2.41
